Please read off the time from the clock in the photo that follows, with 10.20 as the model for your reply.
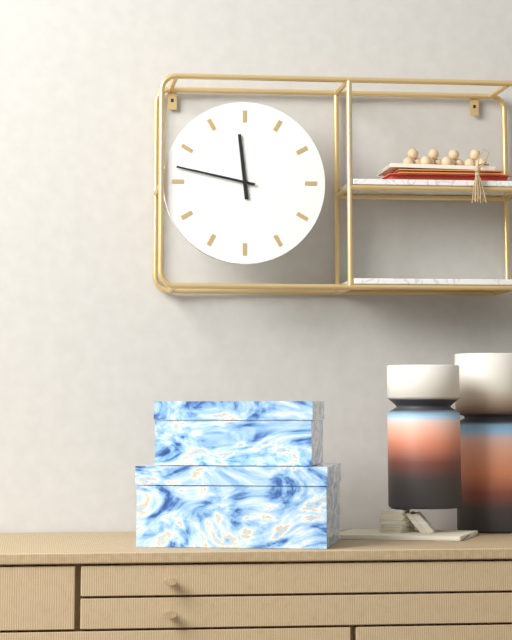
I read 11.47
